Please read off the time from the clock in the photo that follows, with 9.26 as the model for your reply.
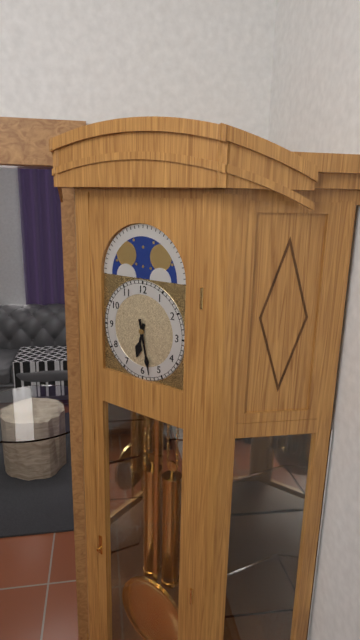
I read 6.28
